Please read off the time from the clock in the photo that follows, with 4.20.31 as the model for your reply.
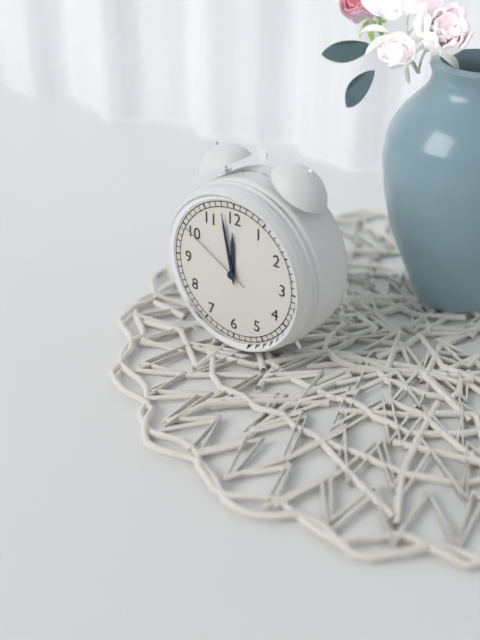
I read 11.58.50
